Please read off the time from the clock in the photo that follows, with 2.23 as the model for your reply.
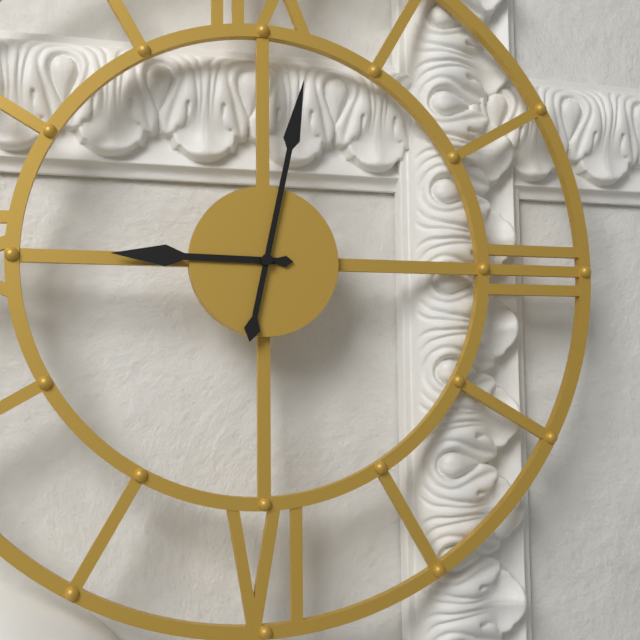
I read 9.02
